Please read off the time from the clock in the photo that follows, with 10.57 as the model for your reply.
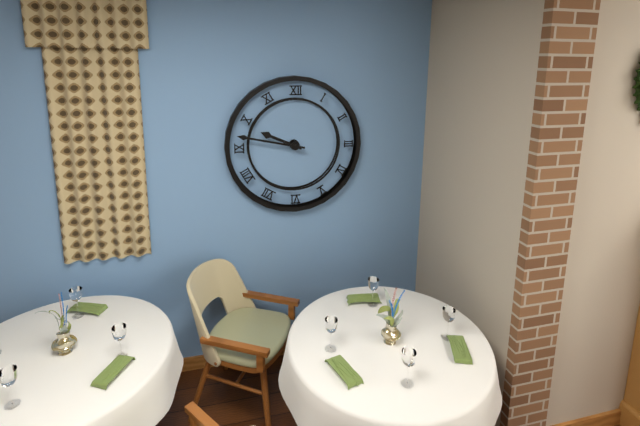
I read 9.47
